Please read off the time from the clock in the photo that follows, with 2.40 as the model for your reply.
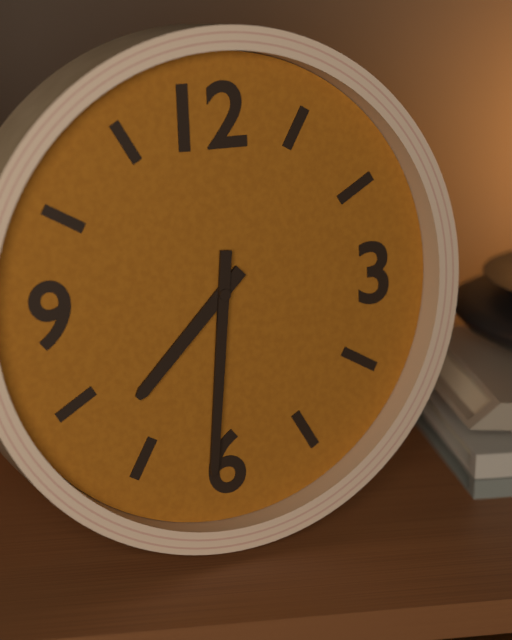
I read 7.31
